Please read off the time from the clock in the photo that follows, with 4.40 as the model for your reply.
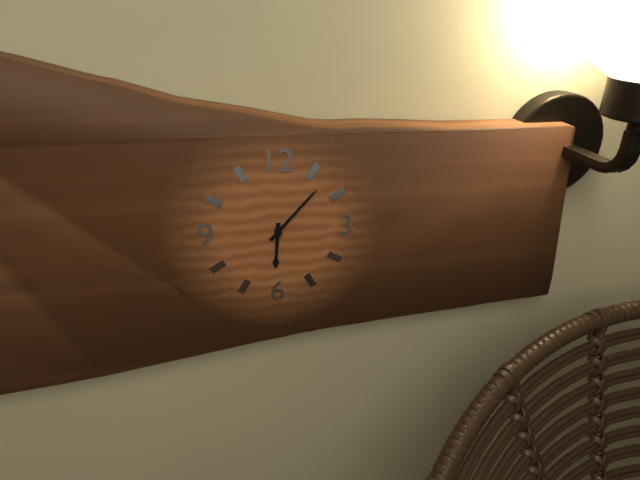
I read 6.07
